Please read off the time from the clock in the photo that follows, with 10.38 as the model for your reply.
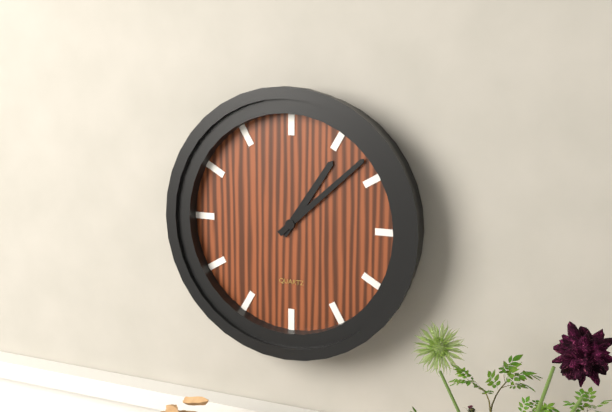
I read 1.08
